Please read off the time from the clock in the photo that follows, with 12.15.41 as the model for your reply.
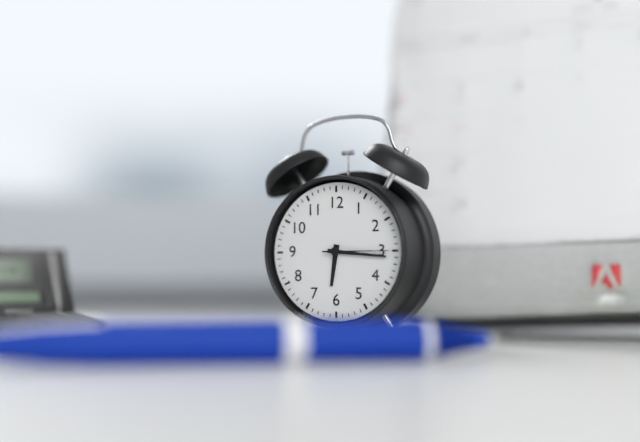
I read 6.16.15
